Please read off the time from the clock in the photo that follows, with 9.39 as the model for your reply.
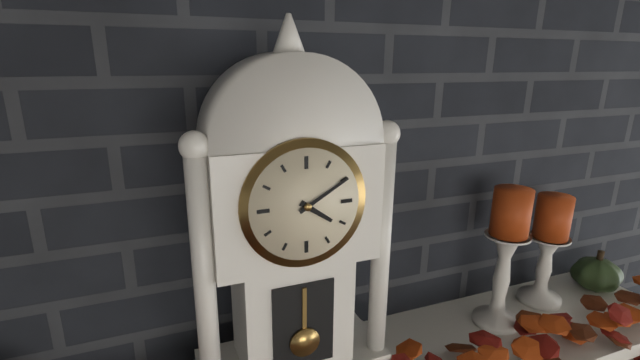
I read 4.10
